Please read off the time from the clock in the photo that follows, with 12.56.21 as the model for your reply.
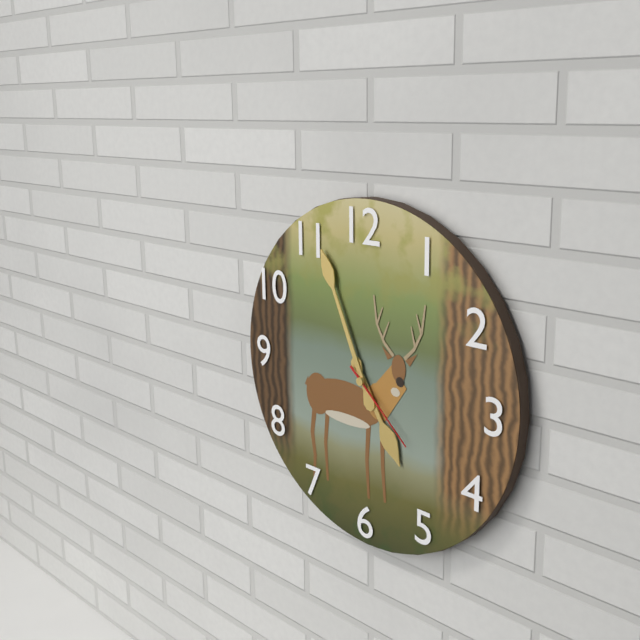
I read 4.56.22
